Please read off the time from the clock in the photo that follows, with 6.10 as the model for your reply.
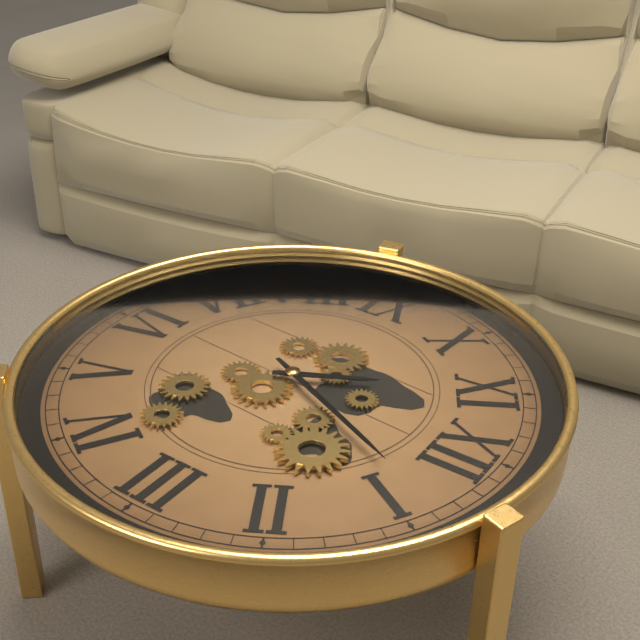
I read 11.04
